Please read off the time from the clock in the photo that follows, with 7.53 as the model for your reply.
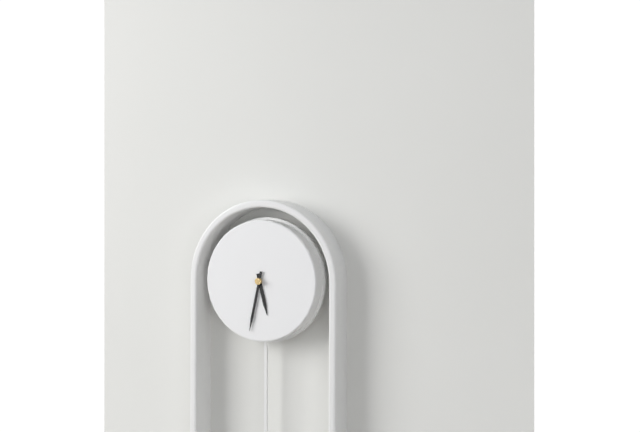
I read 5.32
